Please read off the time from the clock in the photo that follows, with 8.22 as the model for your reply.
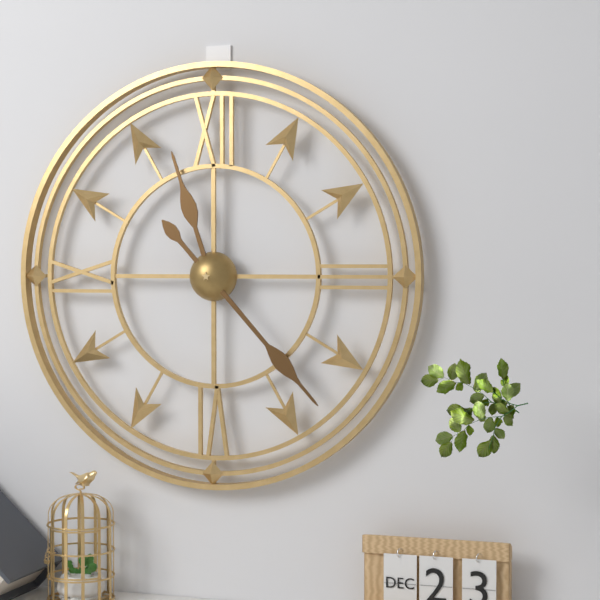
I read 11.23
